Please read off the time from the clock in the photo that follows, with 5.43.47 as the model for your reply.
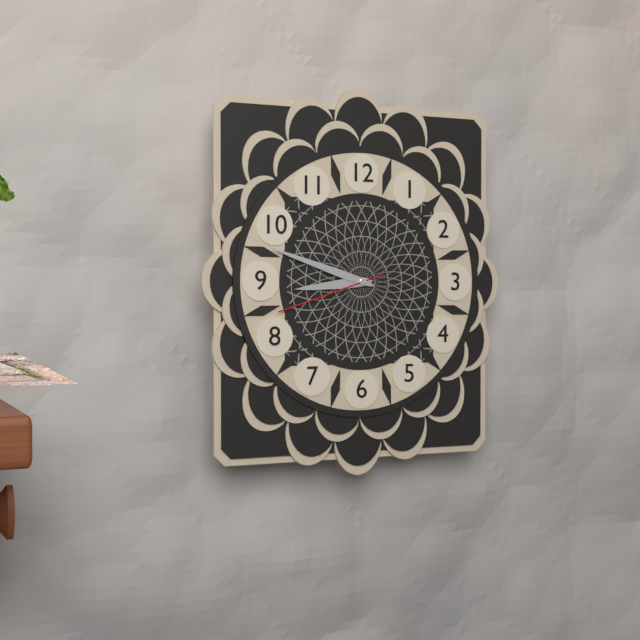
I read 8.48.42
